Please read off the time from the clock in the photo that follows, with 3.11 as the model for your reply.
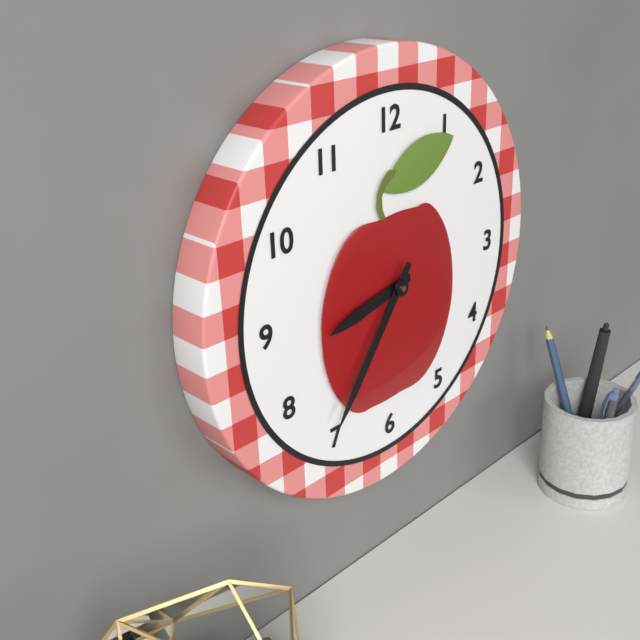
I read 8.36
